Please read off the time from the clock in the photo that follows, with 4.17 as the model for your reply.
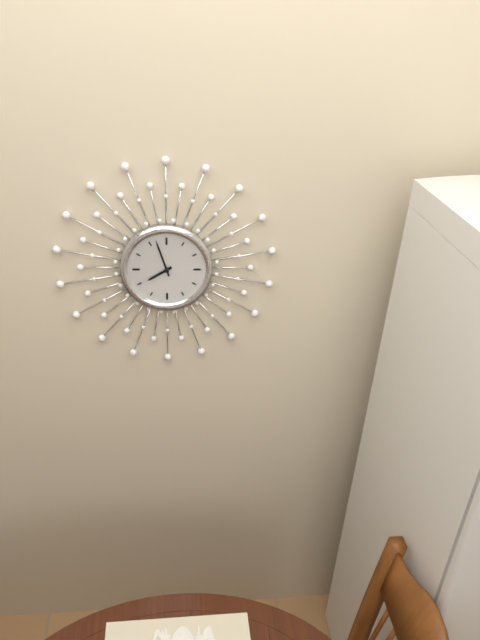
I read 7.57
